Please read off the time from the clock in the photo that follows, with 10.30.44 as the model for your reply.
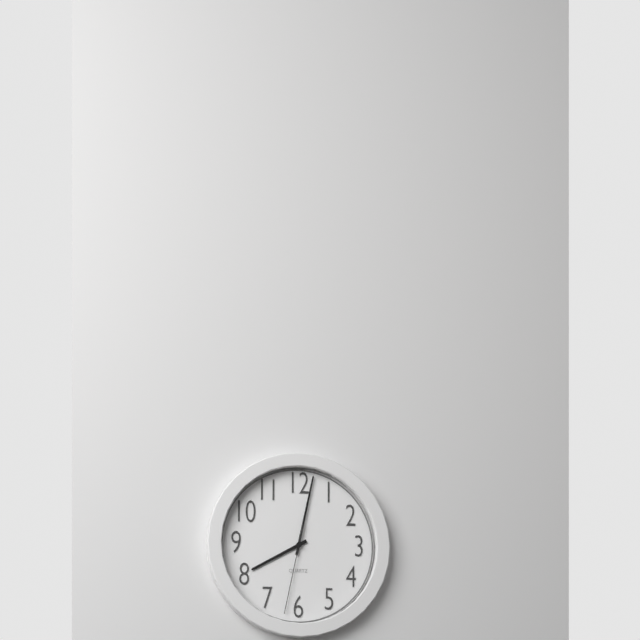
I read 8.02.32
